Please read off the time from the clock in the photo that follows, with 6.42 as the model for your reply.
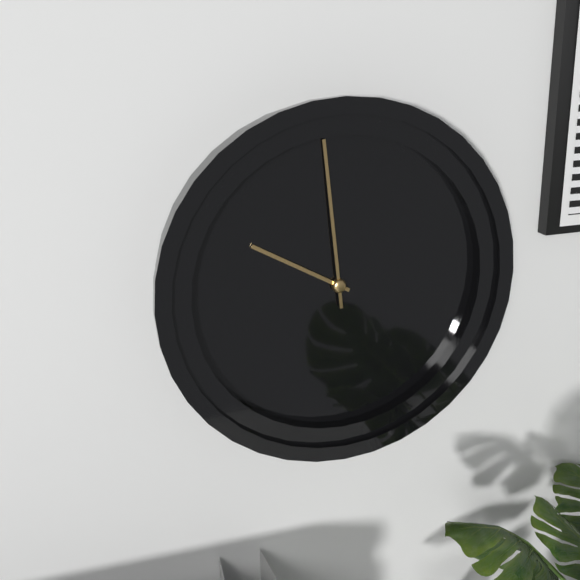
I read 9.59
